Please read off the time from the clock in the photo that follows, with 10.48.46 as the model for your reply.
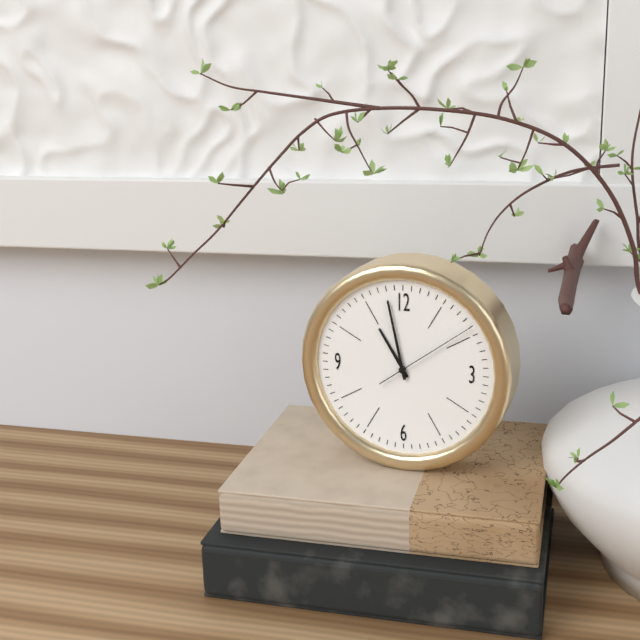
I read 10.58.09
